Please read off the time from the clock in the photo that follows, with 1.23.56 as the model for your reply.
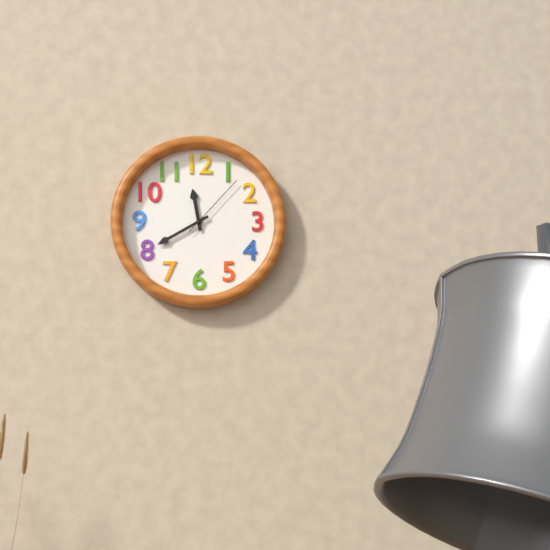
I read 11.40.07
